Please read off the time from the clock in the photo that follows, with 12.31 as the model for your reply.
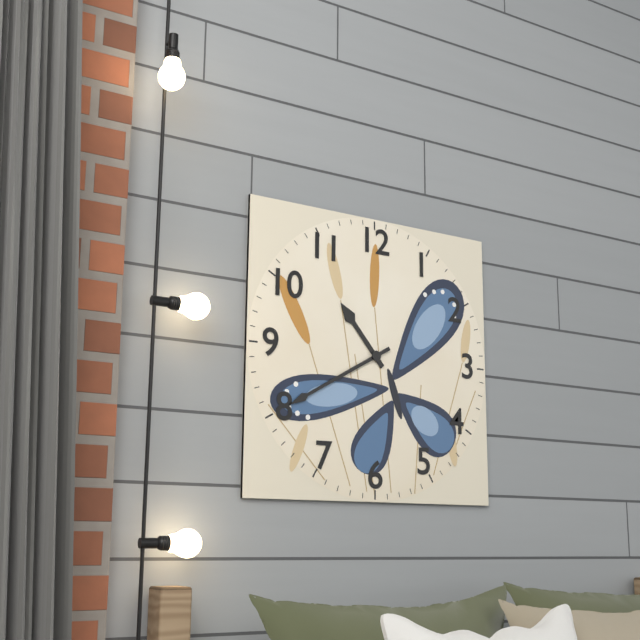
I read 10.40
